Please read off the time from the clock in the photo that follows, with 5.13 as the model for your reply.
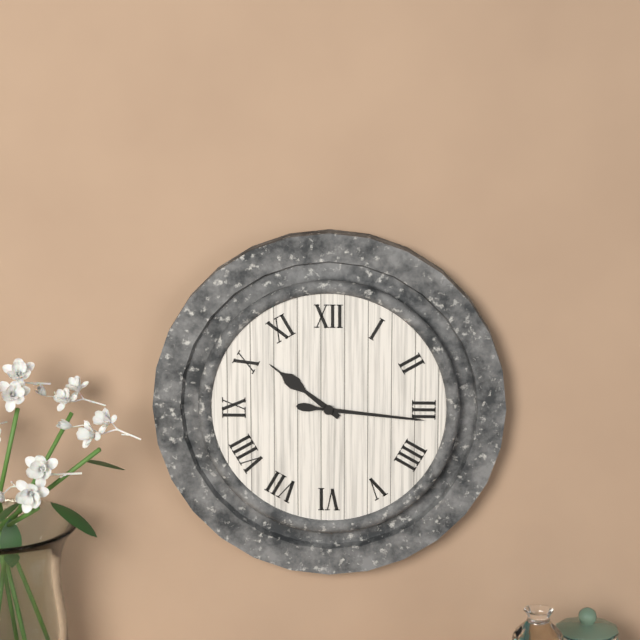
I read 10.16
